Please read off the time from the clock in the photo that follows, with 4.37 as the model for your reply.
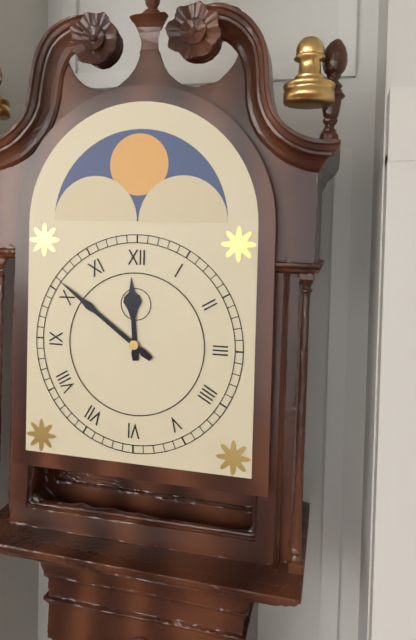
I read 11.51
